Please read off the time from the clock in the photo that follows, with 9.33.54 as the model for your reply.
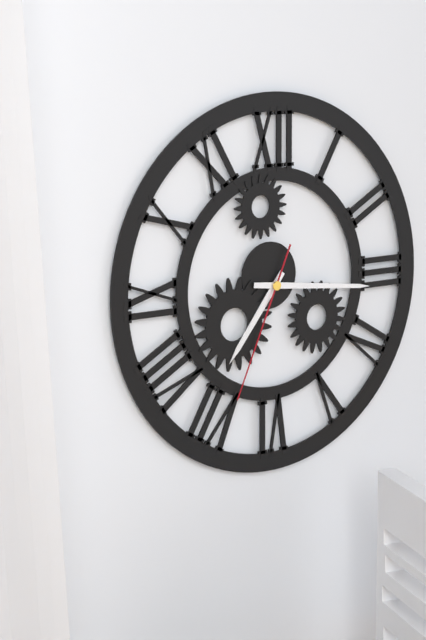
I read 7.16.34
